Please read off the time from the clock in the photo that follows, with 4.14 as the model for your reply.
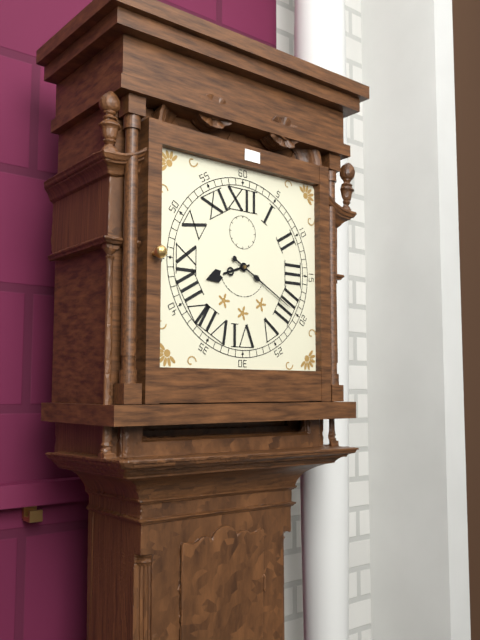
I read 8.20
